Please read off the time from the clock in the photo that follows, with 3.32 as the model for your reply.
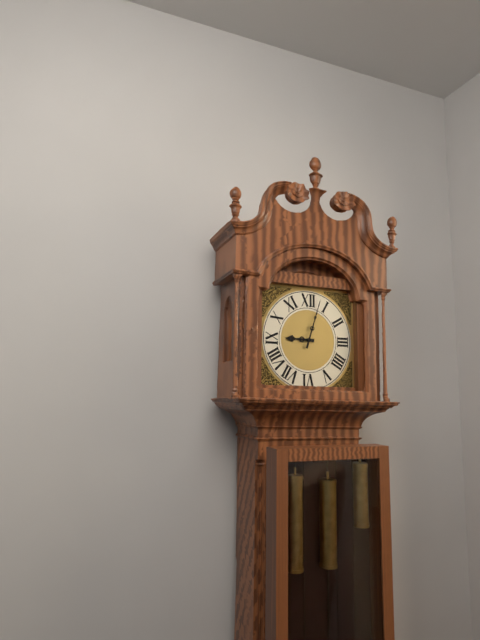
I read 9.03
